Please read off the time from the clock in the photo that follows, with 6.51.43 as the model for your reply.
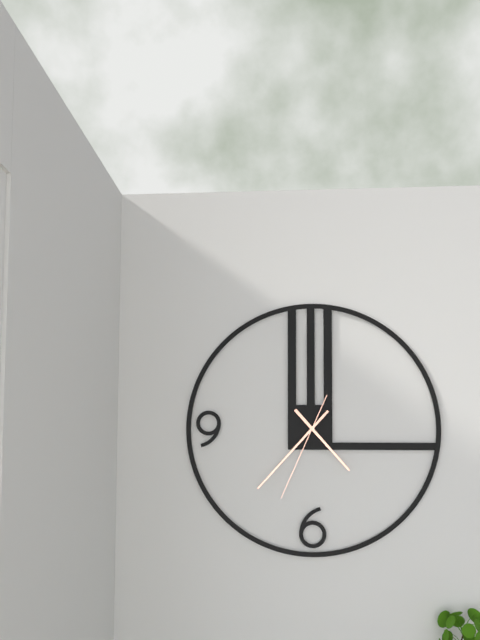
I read 4.37.34
